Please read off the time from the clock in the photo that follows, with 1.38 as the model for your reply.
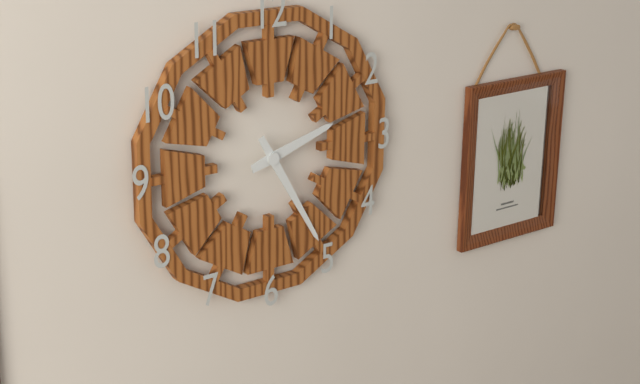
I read 2.25
